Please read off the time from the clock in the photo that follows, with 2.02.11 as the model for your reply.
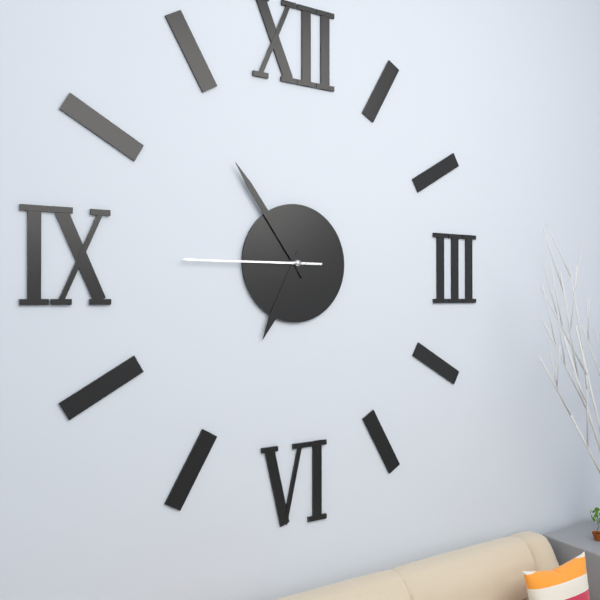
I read 6.54.45
